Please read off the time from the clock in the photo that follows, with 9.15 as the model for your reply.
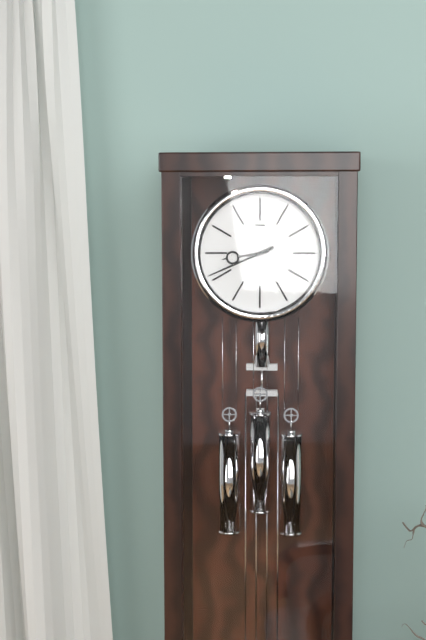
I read 8.41
